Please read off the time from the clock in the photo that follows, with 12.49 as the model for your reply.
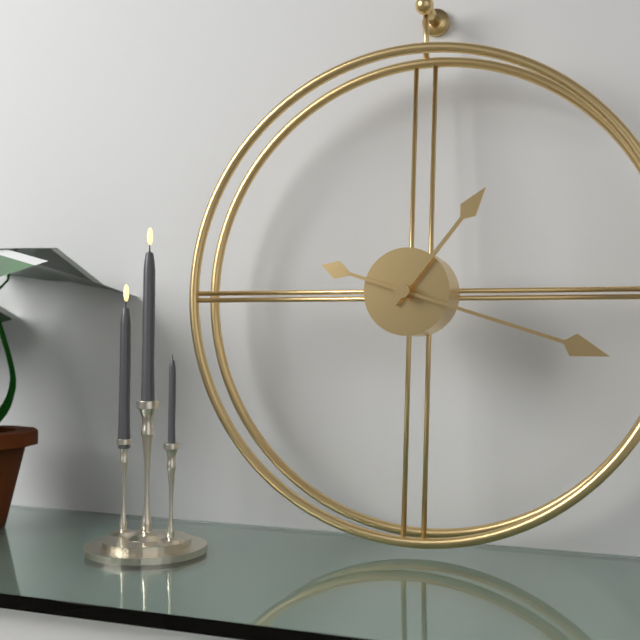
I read 1.18
